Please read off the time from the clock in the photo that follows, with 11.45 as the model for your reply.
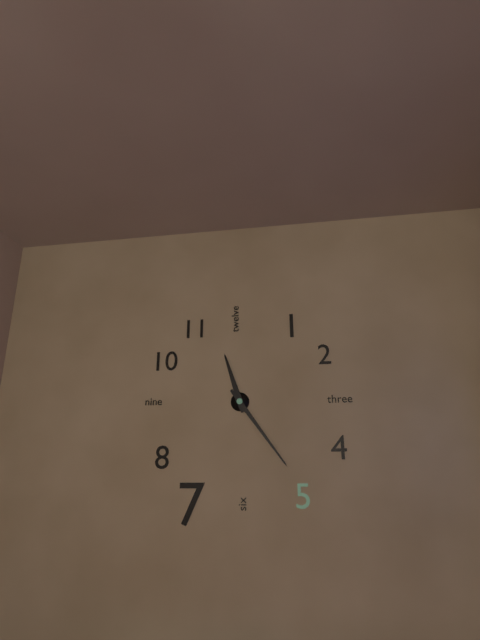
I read 11.24
